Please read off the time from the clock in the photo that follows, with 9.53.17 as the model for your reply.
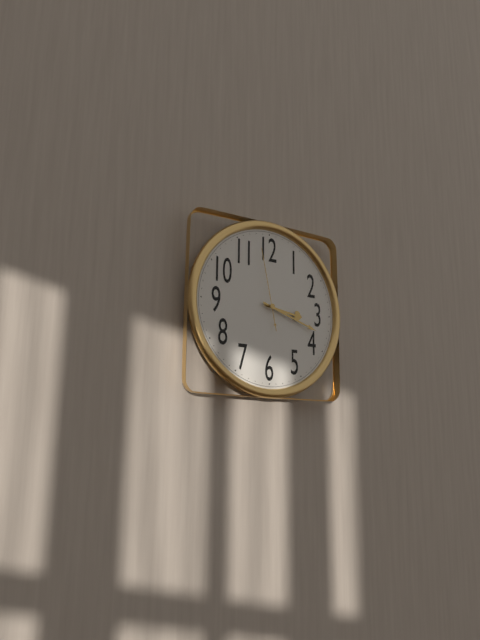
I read 3.18.58
